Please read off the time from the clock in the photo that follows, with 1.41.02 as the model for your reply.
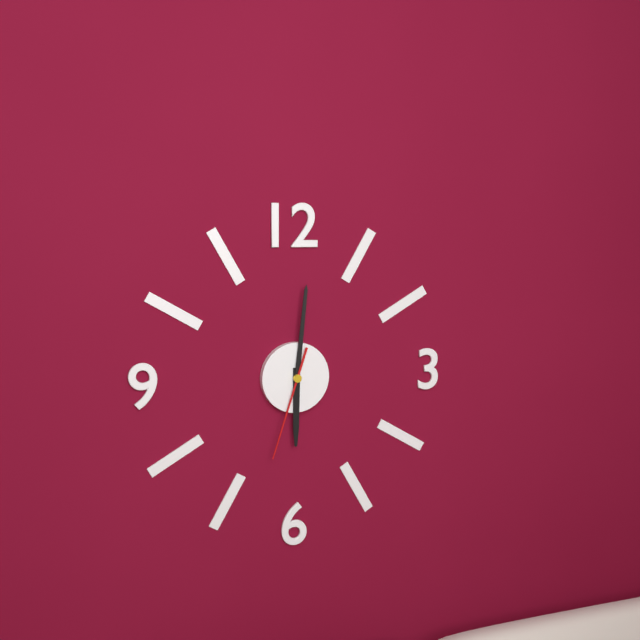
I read 6.01.33
